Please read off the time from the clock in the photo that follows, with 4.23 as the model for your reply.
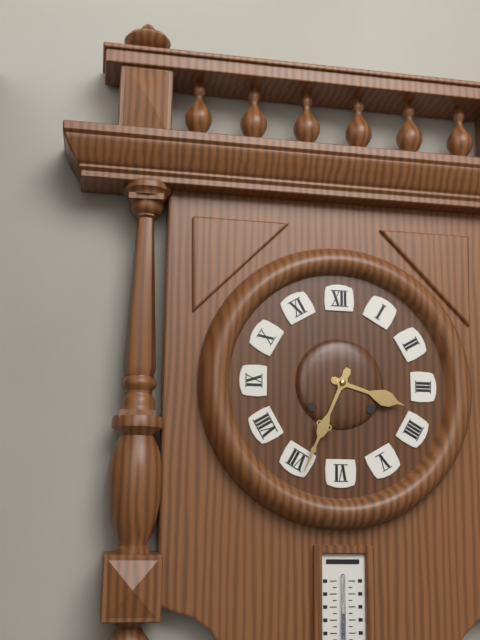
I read 3.34
